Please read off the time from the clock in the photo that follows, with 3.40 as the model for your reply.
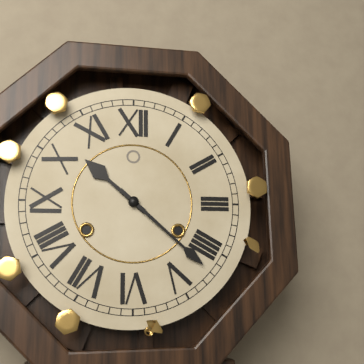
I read 10.22
